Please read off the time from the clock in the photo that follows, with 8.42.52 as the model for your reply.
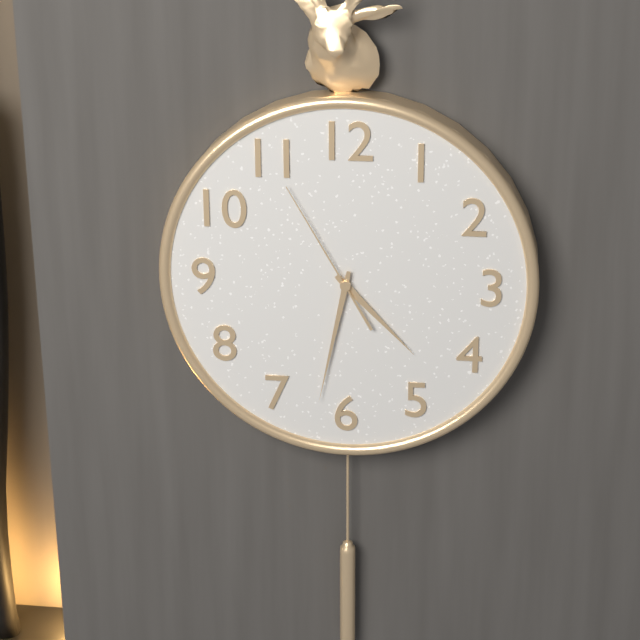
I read 4.32.55
